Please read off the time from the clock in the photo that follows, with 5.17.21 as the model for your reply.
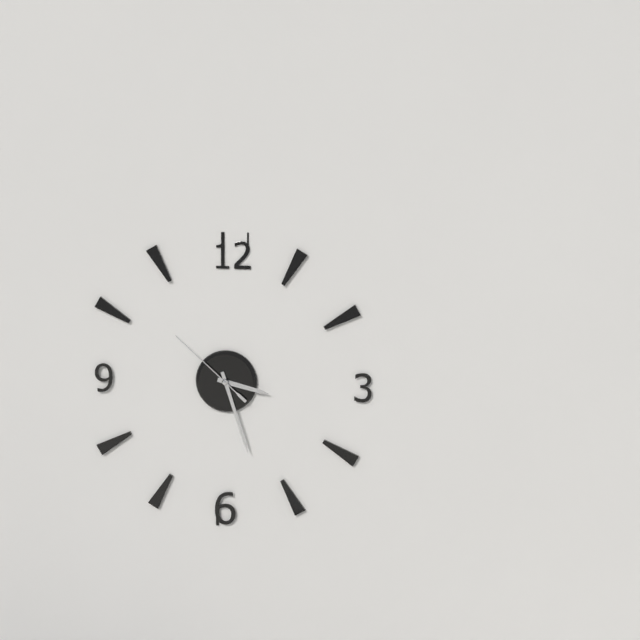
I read 3.27.52
